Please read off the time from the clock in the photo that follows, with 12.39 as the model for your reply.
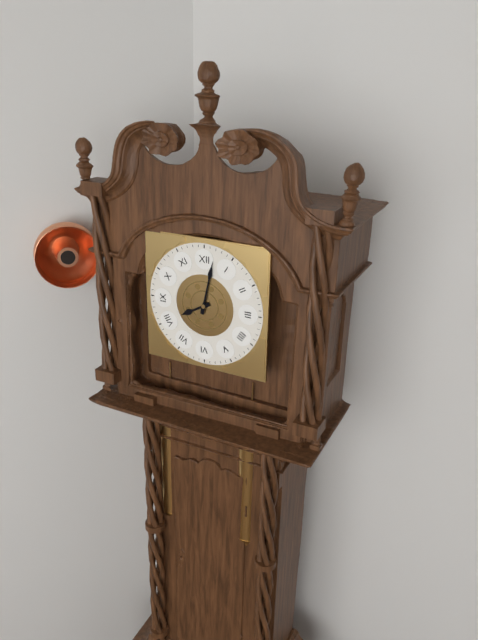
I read 8.02
